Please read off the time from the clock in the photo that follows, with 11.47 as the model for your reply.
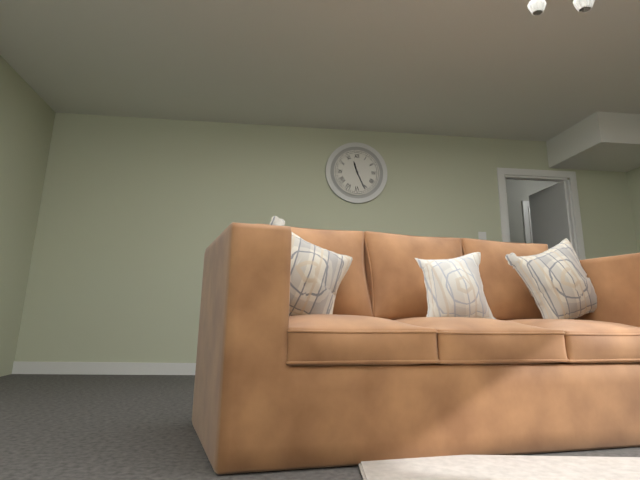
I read 11.26
